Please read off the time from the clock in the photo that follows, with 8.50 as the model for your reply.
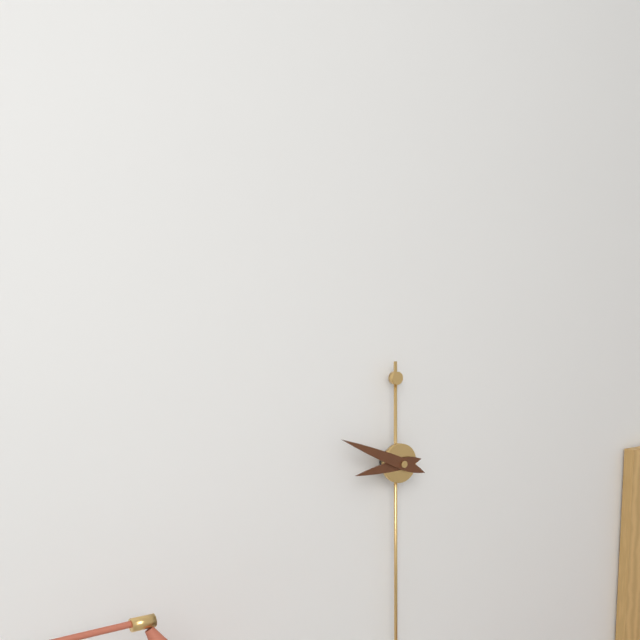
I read 8.49
